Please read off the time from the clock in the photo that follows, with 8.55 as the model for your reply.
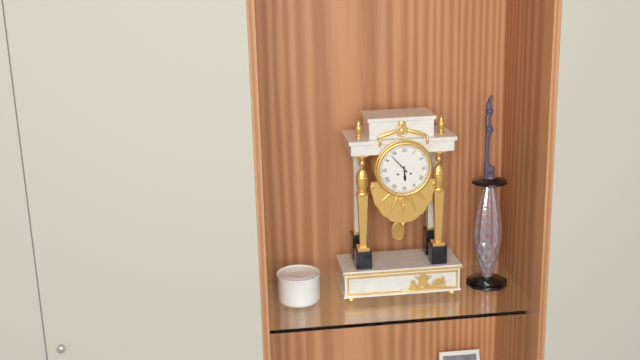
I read 5.53
